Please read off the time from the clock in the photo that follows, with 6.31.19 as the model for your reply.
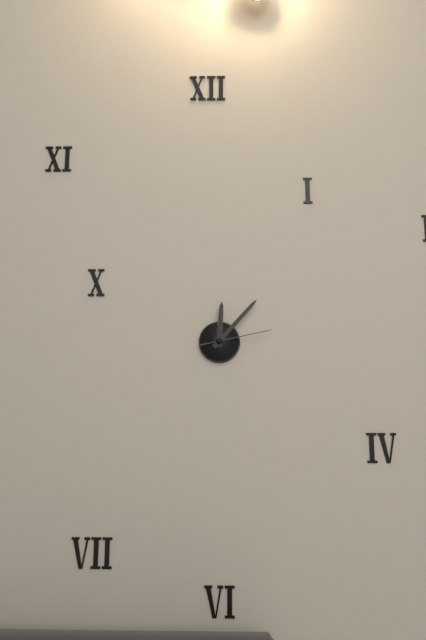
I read 12.07.13
